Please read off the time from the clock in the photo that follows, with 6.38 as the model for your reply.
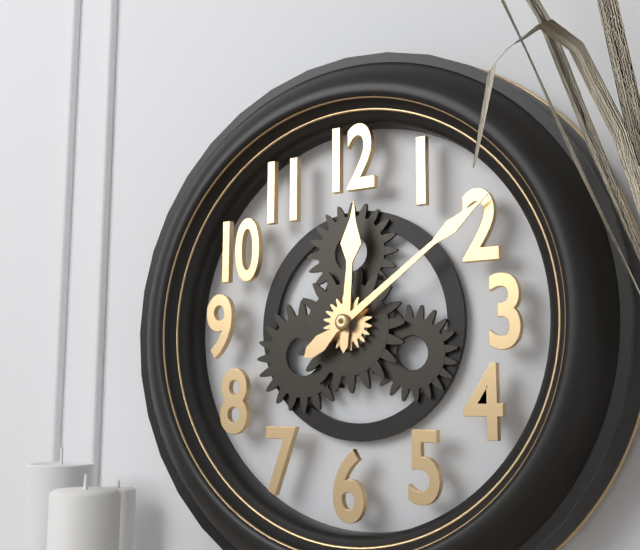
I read 12.09
